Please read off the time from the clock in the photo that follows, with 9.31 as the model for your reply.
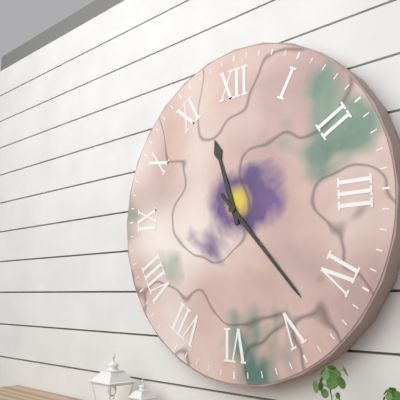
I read 11.23
